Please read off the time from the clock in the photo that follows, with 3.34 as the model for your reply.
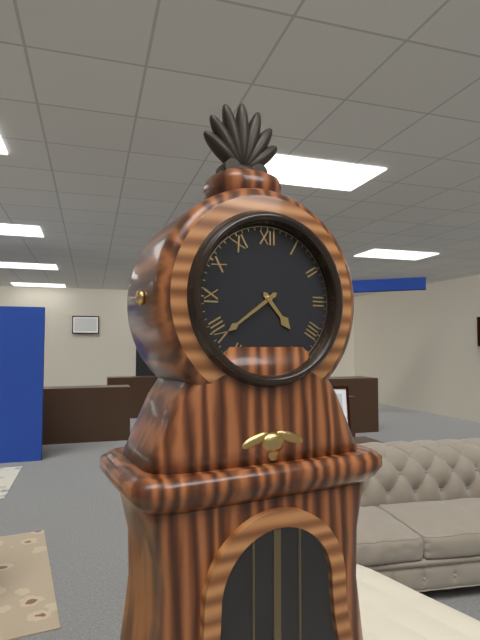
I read 4.39
